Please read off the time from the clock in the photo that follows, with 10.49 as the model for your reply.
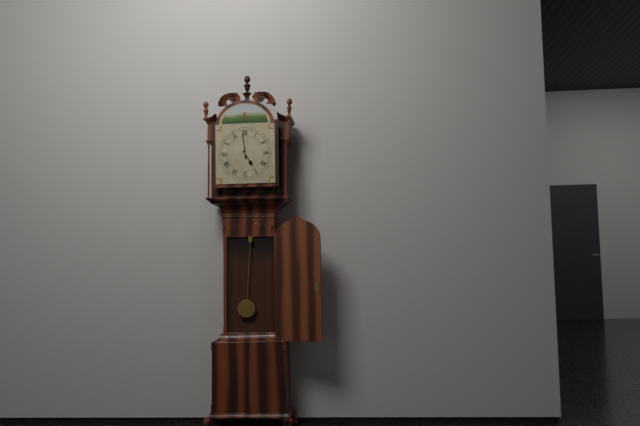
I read 4.59
